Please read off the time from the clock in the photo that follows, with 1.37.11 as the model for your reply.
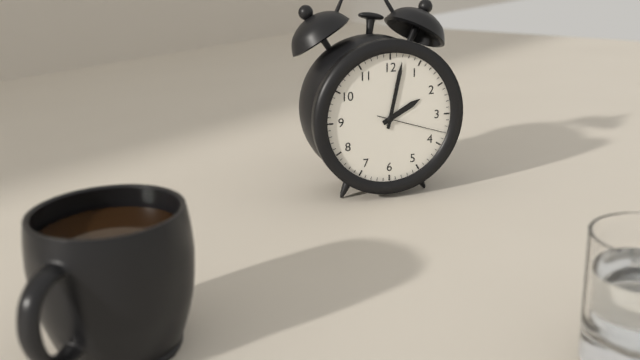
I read 2.02.18
